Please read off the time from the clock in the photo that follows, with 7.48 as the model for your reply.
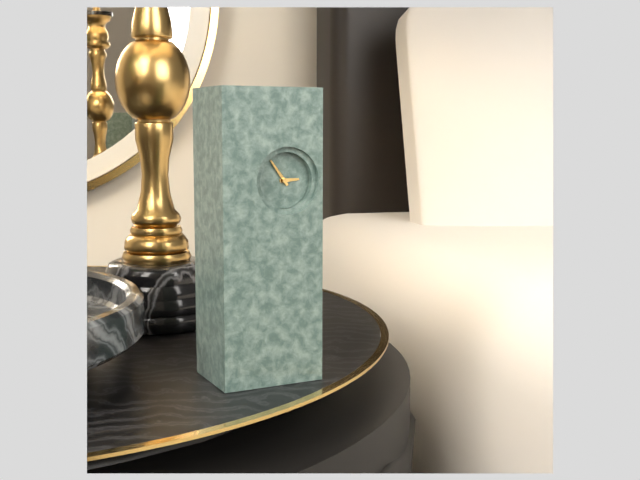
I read 2.54
